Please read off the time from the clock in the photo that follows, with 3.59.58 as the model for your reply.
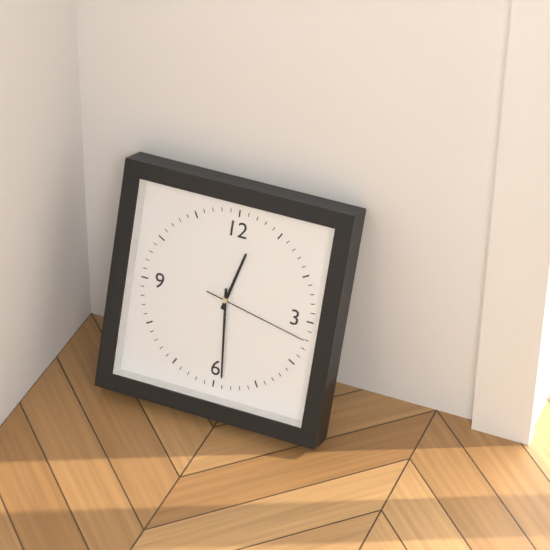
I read 12.29.17
